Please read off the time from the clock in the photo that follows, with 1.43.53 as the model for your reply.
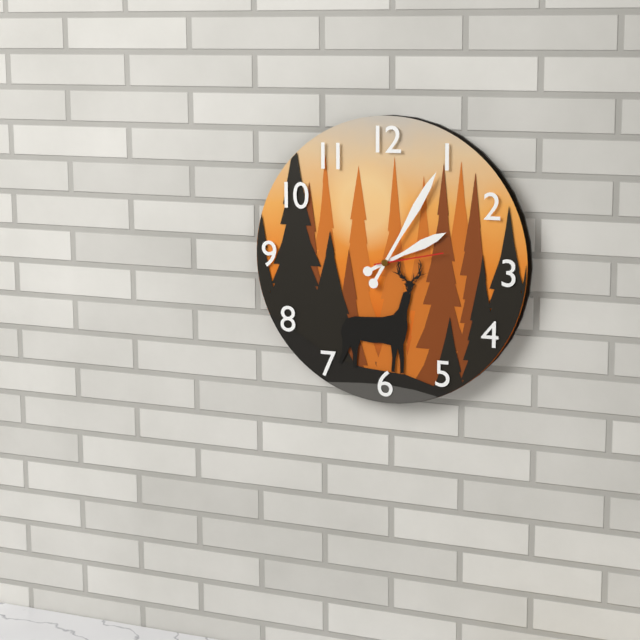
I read 2.05.13
